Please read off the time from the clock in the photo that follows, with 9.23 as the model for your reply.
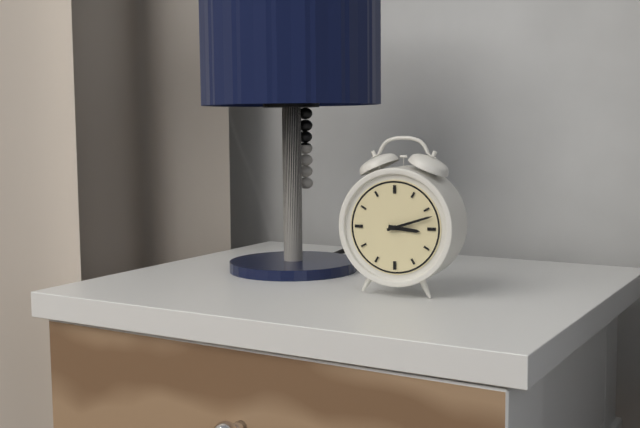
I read 3.12
